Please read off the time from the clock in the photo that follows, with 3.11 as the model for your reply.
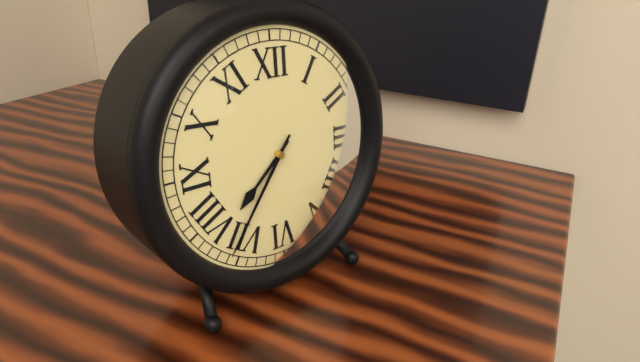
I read 7.36
